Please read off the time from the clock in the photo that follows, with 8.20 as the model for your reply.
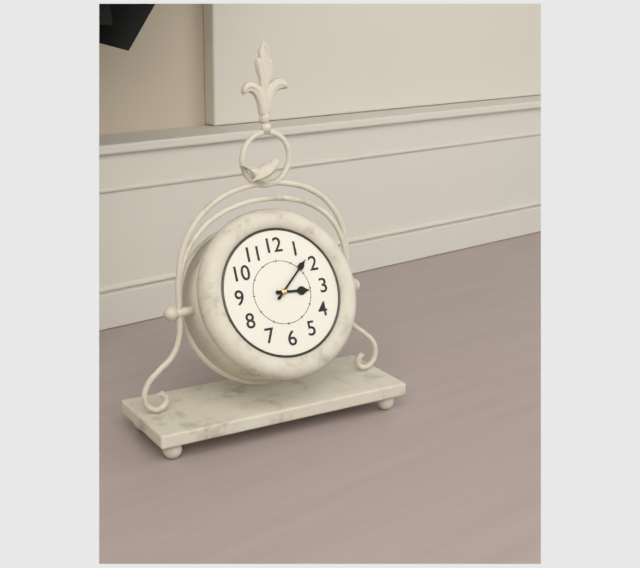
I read 3.08
